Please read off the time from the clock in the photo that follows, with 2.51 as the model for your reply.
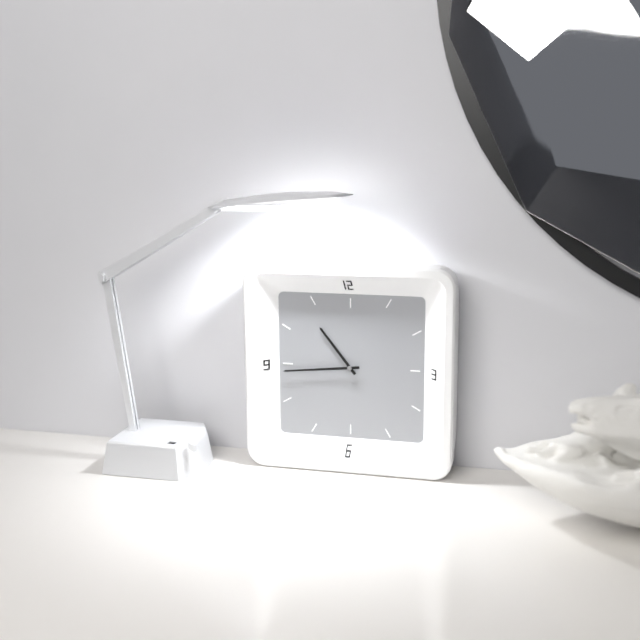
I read 10.44
